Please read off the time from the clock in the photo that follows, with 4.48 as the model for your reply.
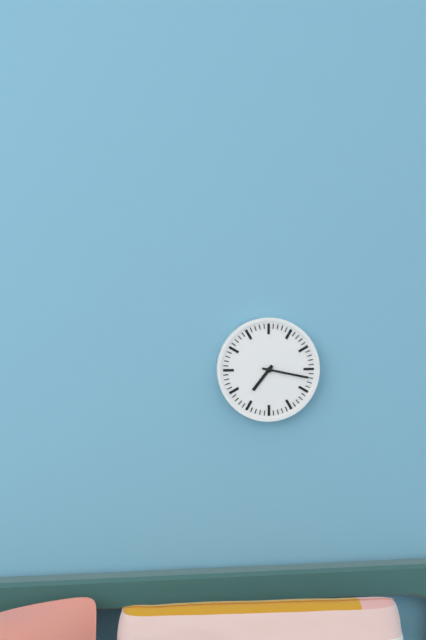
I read 7.17
